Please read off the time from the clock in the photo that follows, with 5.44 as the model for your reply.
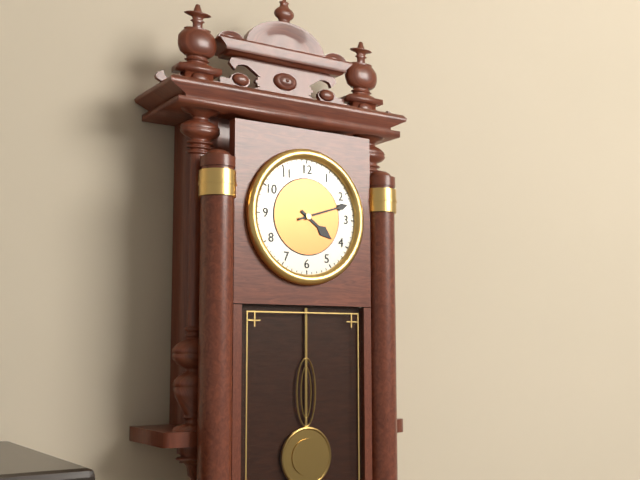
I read 4.12
